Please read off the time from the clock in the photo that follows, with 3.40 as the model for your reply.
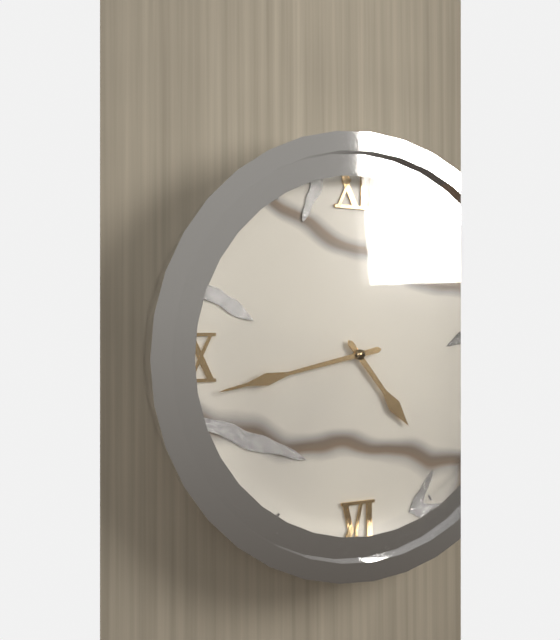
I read 4.43
